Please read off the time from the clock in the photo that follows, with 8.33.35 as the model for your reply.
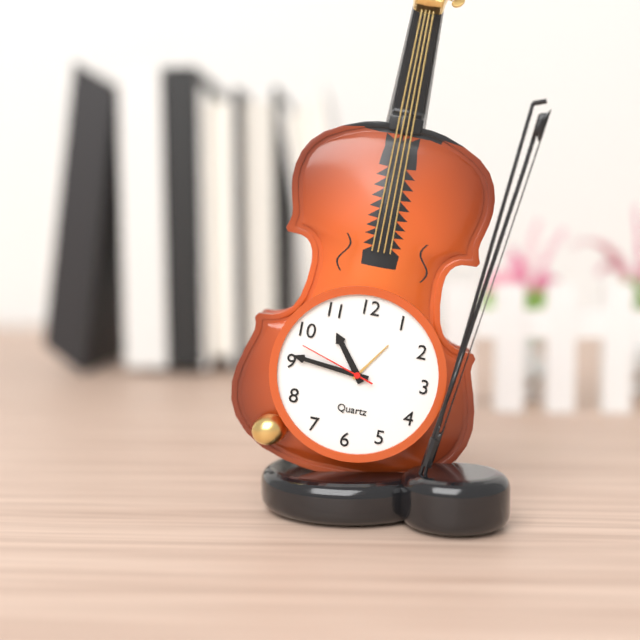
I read 10.46.48
